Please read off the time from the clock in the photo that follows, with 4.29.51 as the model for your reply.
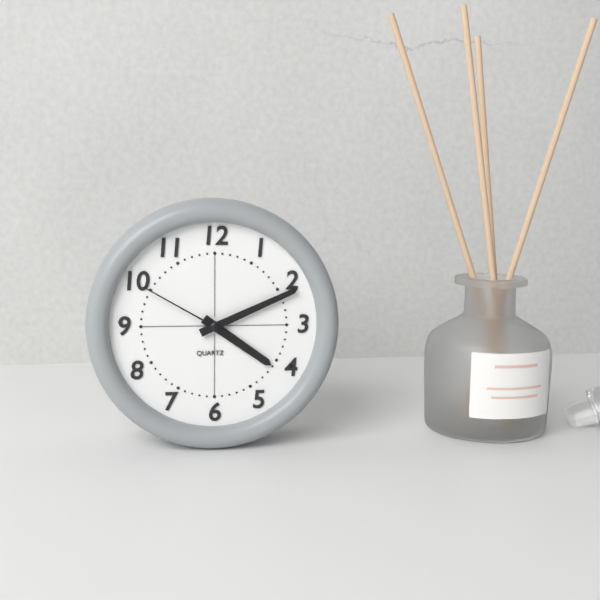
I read 4.11.50
